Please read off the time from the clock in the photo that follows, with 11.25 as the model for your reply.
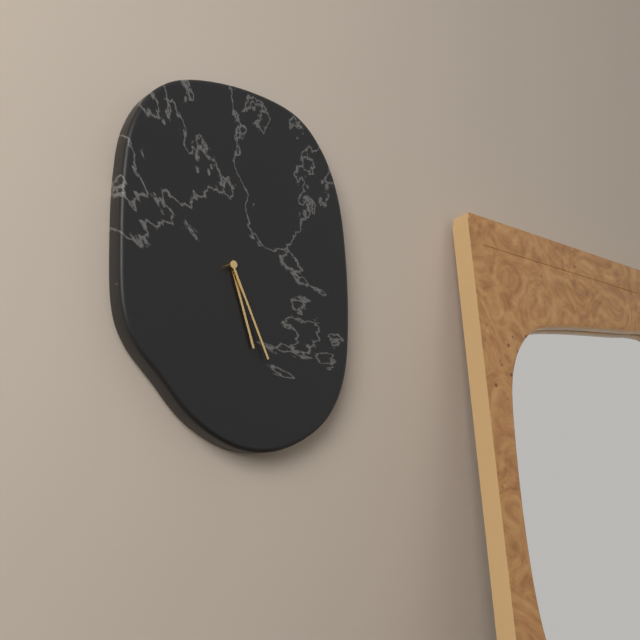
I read 5.26
